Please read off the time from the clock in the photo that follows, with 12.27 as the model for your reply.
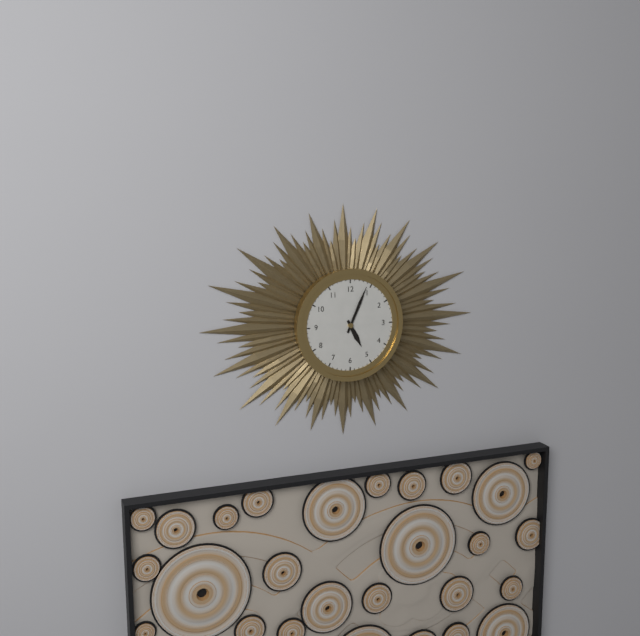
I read 5.04
